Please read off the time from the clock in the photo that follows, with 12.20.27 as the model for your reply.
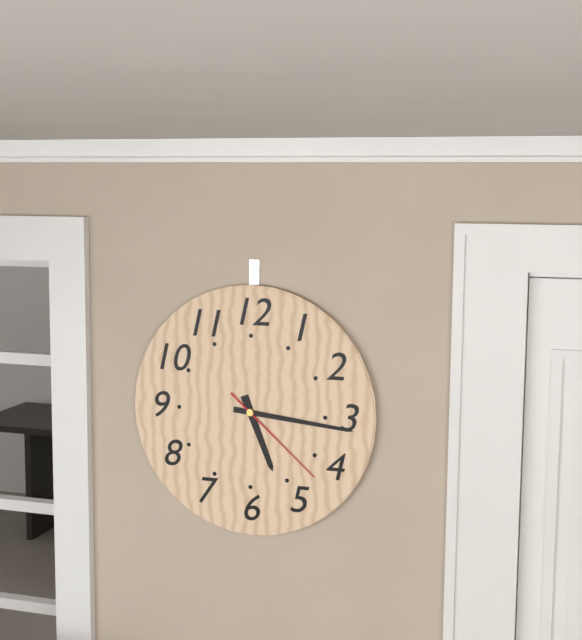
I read 5.16.22
